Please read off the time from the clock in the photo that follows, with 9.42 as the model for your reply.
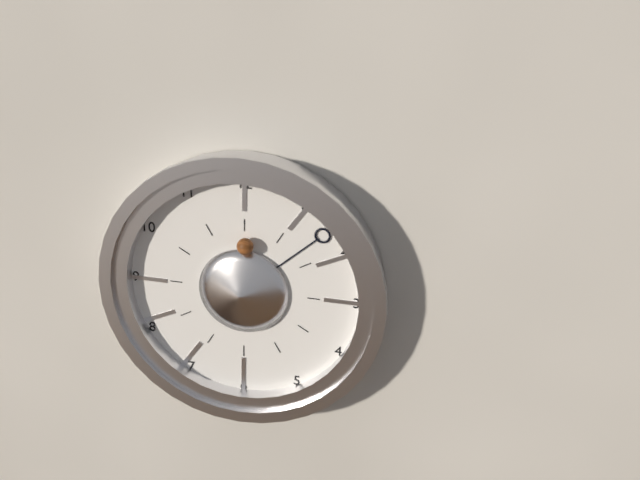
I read 12.08
